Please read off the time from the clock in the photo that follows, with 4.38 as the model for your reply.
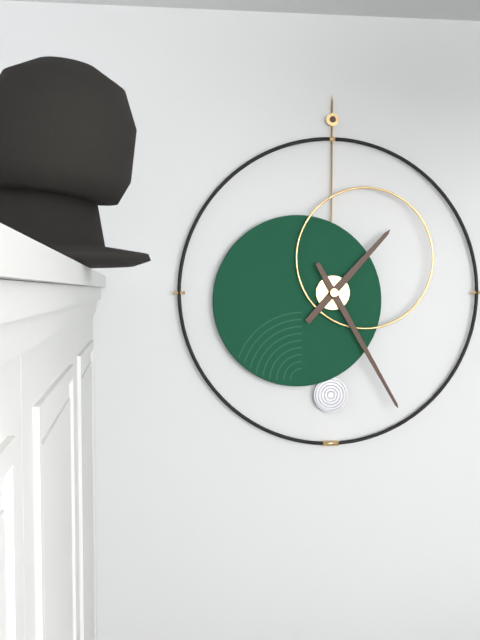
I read 1.25
